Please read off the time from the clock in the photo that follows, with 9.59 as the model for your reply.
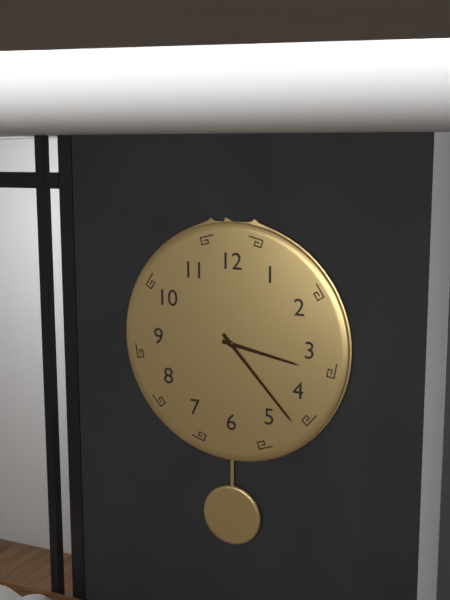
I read 3.23
